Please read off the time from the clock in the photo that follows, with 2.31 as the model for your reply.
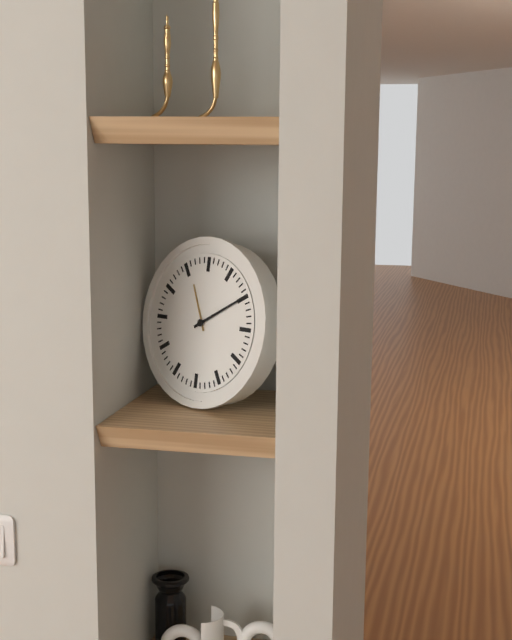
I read 11.10
